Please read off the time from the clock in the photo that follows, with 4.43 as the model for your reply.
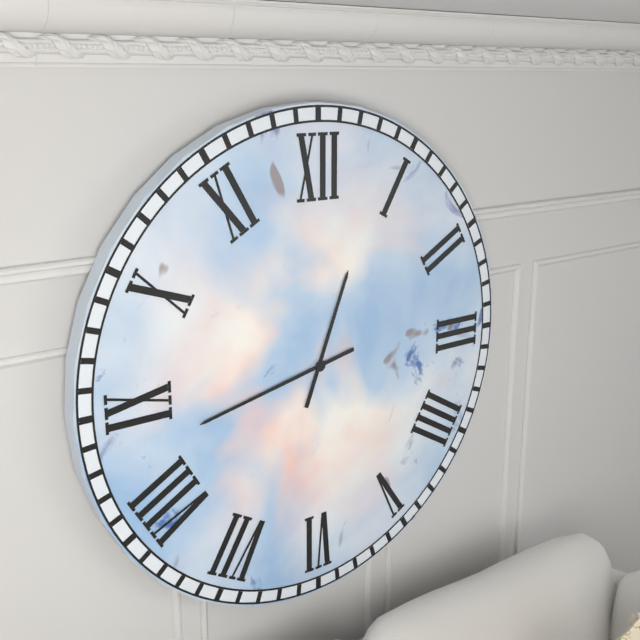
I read 12.43
